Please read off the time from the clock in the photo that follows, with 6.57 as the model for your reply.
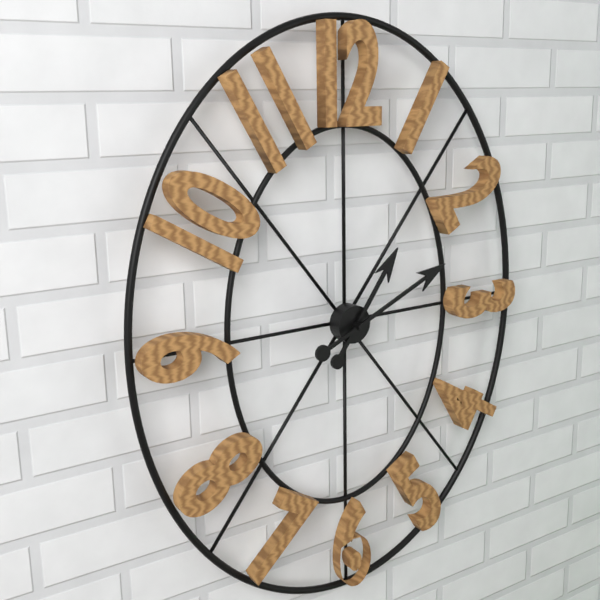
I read 1.11
